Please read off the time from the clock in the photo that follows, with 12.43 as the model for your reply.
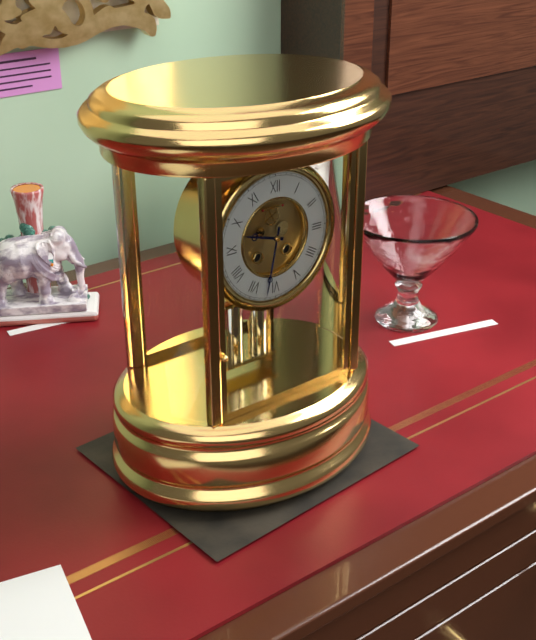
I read 9.32
